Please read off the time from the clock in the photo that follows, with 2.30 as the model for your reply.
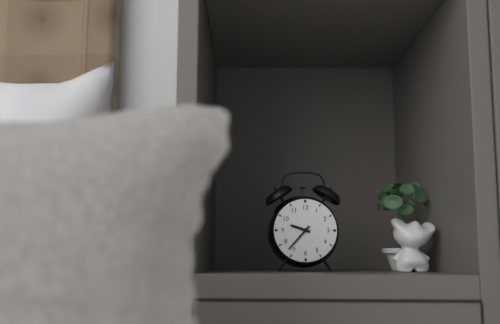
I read 9.37
